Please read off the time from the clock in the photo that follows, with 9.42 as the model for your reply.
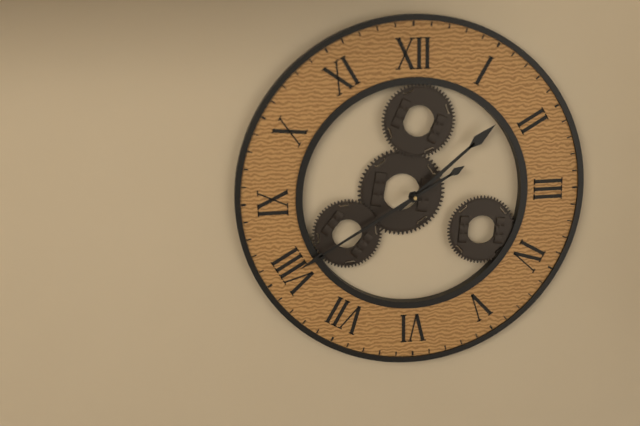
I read 1.40
